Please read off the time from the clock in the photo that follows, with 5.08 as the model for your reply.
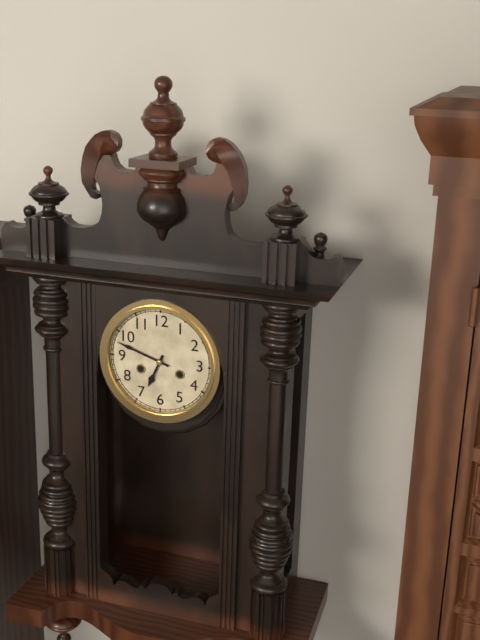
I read 6.48
